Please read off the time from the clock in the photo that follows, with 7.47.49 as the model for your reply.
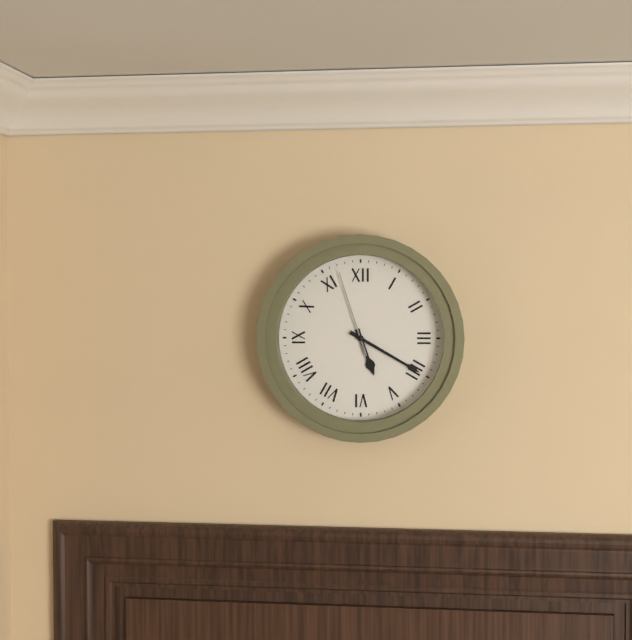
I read 5.20.57
